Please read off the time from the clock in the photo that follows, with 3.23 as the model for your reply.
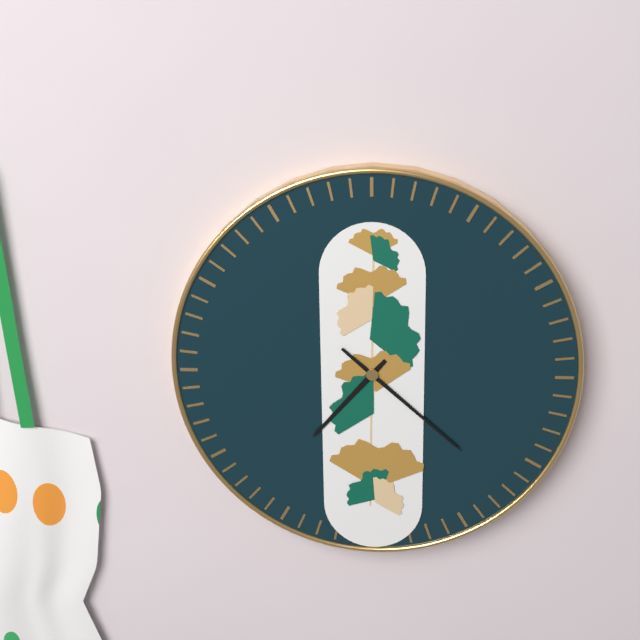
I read 7.22
